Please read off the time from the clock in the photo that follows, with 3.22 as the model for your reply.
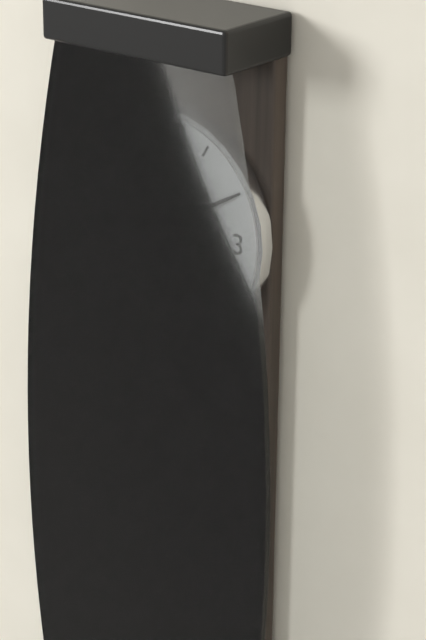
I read 10.10
